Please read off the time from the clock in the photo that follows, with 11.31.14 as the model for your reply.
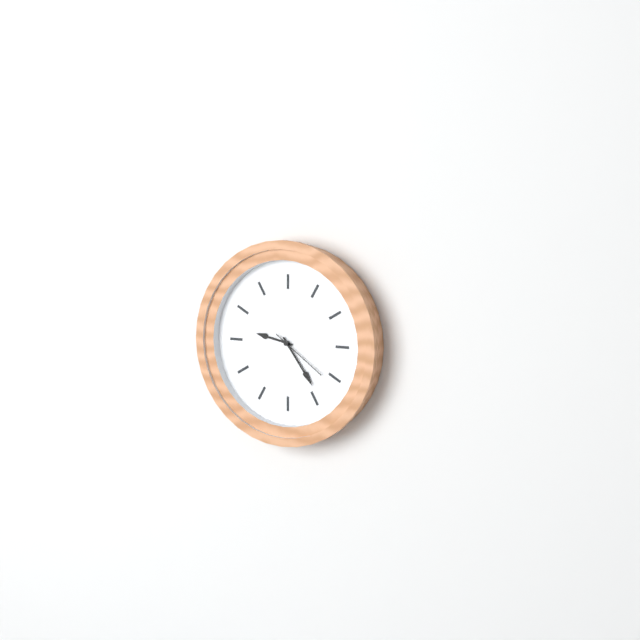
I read 9.24.21
